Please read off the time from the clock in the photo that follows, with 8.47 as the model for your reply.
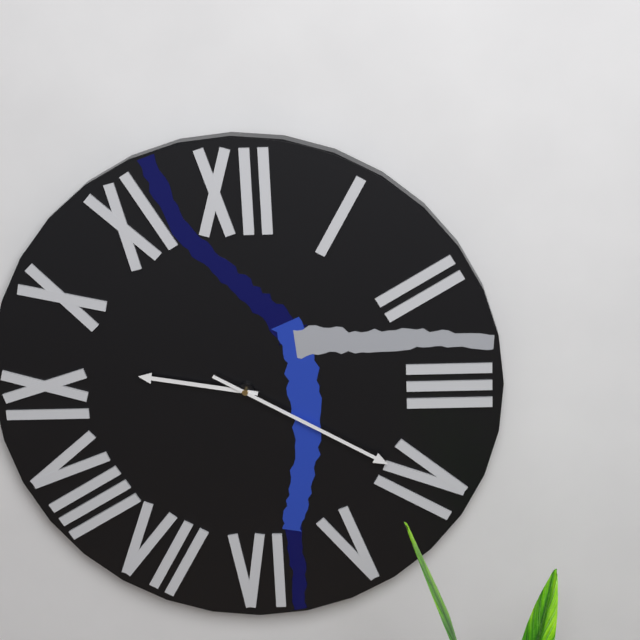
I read 9.20
